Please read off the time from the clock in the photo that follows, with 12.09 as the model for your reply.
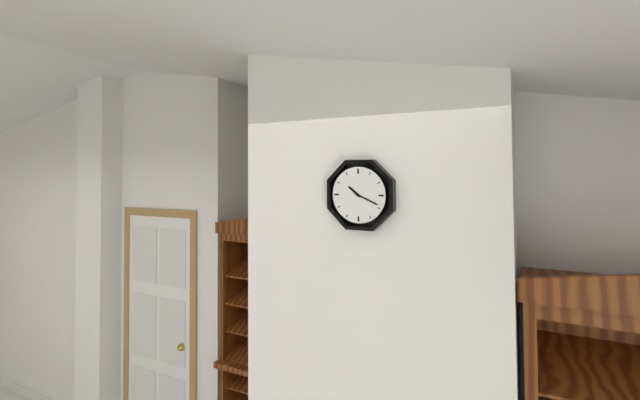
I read 10.19
